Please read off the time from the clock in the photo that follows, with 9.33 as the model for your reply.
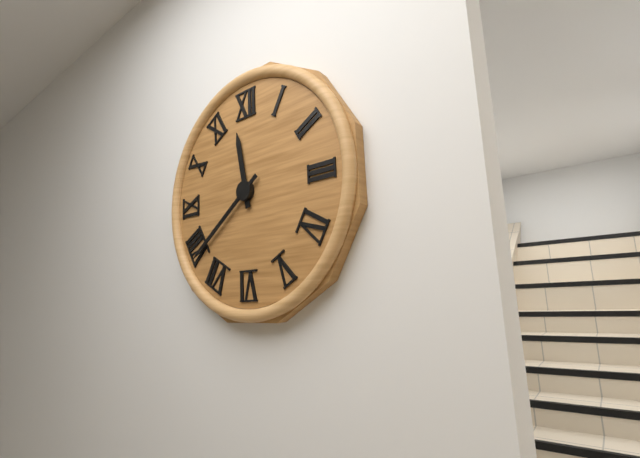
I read 11.39
